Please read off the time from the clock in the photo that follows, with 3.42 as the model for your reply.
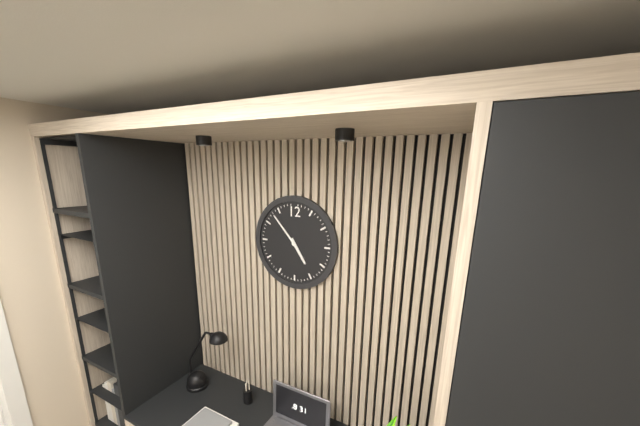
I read 4.53
